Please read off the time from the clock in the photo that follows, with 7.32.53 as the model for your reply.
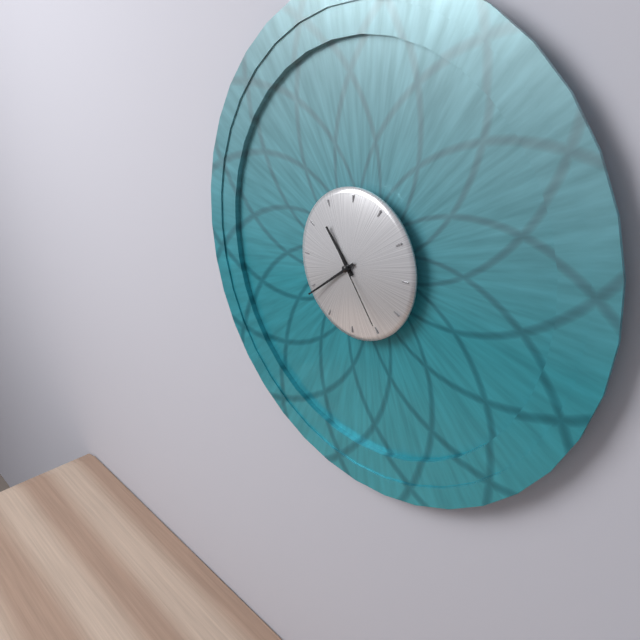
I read 10.39.24
